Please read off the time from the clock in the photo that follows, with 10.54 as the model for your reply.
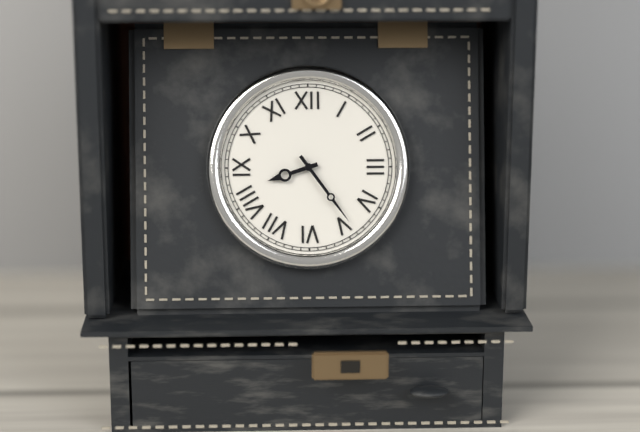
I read 8.24
